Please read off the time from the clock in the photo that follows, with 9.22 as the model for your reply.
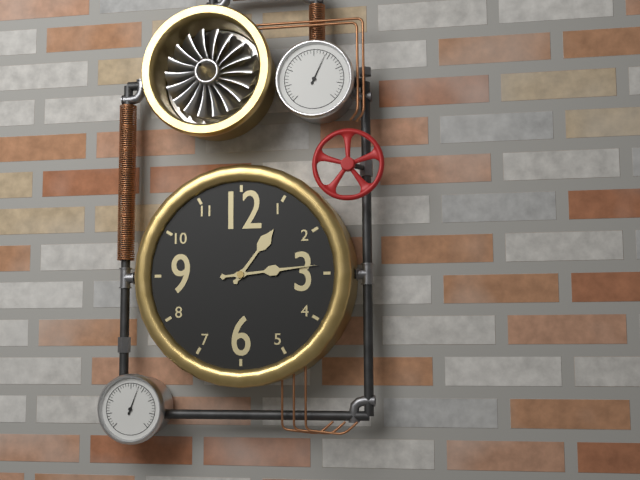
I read 1.14
